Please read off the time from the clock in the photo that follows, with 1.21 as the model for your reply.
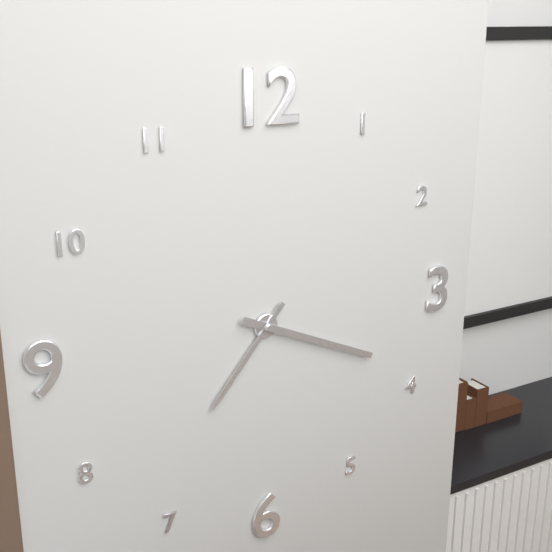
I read 7.19
